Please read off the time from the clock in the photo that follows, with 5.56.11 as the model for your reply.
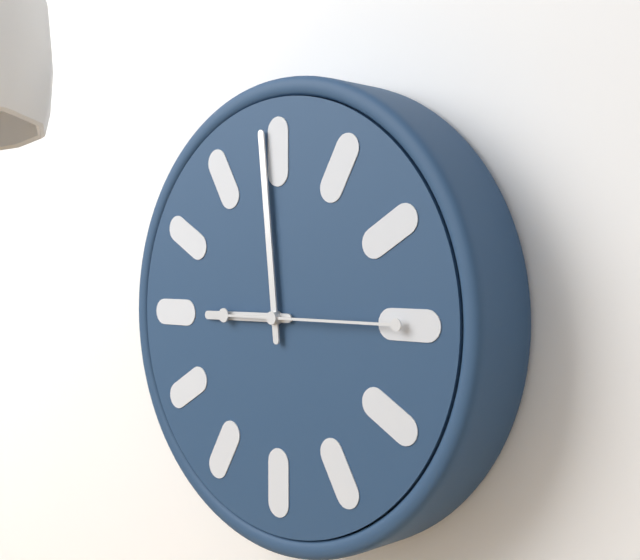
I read 8.59.15
